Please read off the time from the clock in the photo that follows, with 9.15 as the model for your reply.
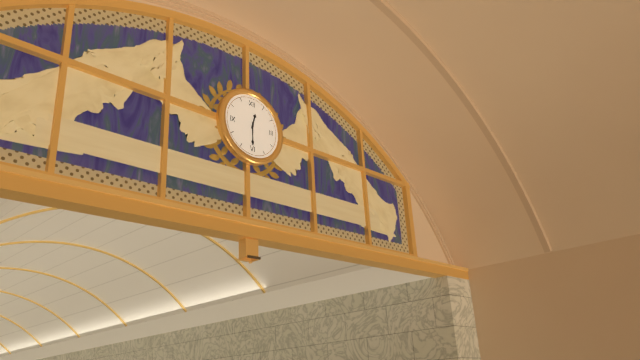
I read 12.30
